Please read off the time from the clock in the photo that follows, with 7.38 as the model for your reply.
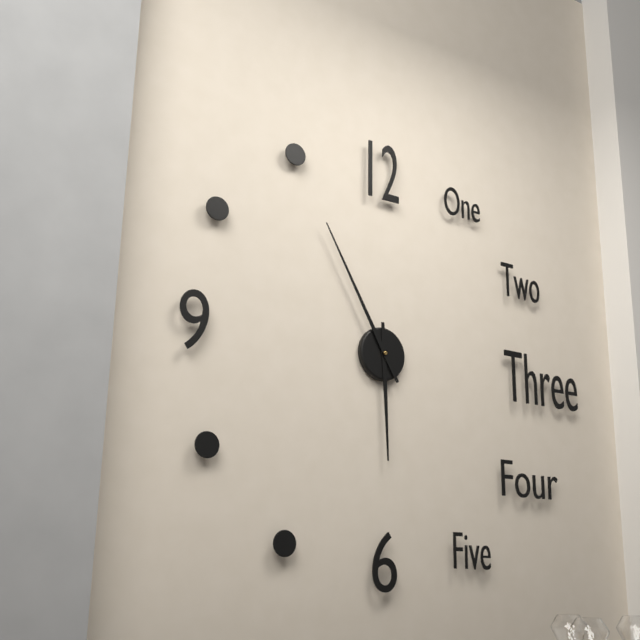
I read 5.55
